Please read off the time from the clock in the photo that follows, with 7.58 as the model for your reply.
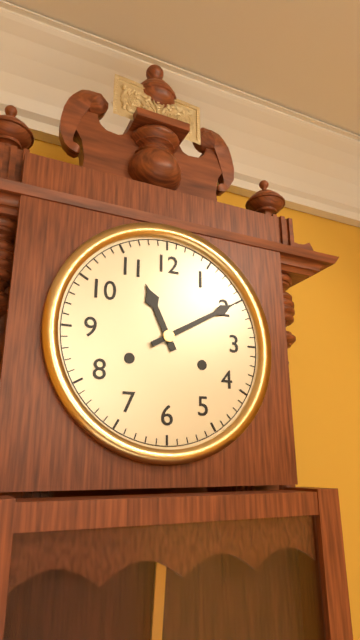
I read 11.10
